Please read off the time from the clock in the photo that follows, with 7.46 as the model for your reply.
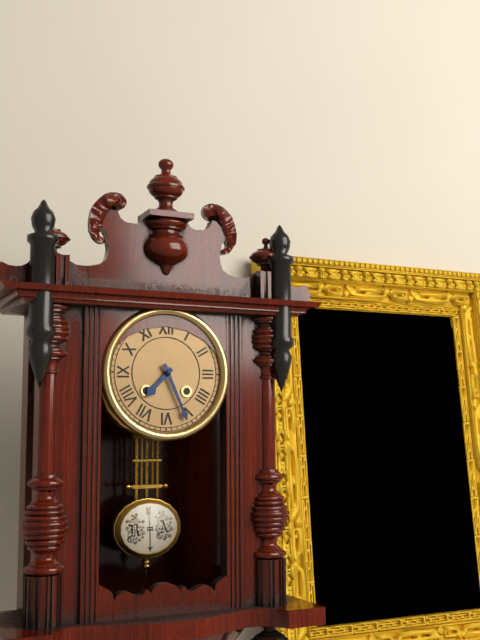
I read 7.26
